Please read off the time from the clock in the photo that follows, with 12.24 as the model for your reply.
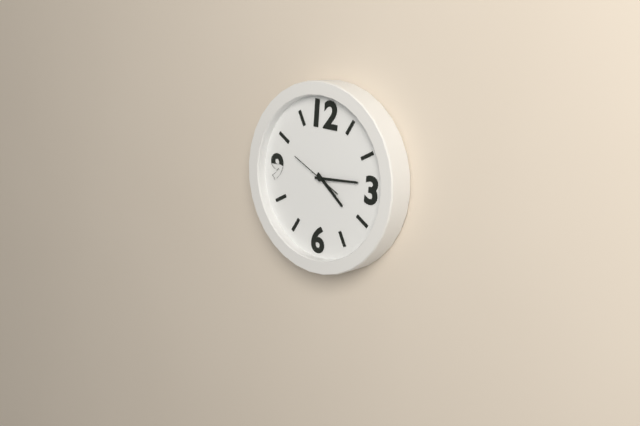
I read 4.14
